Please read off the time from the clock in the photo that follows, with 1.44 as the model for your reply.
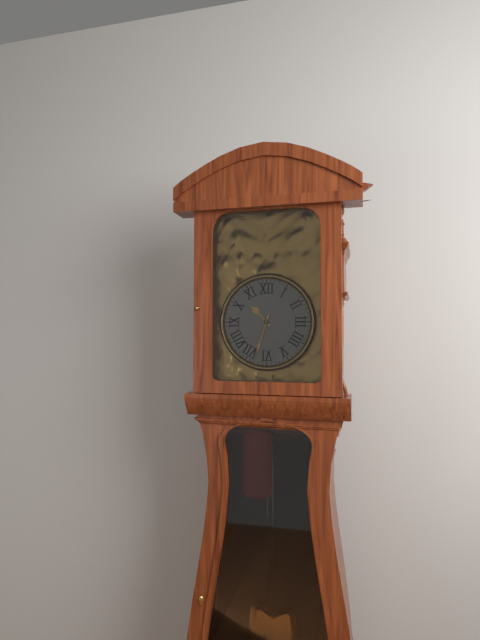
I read 10.33
